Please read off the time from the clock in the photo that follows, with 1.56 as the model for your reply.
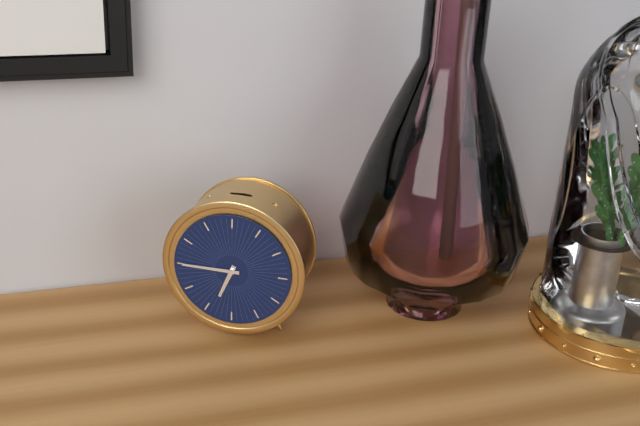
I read 6.45
